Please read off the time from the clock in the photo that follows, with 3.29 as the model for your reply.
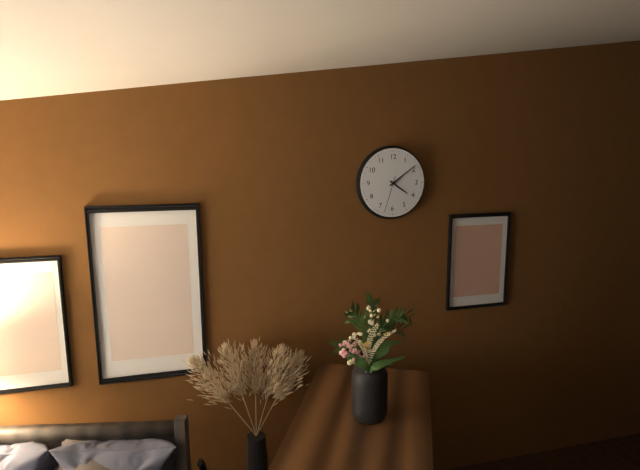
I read 4.09
